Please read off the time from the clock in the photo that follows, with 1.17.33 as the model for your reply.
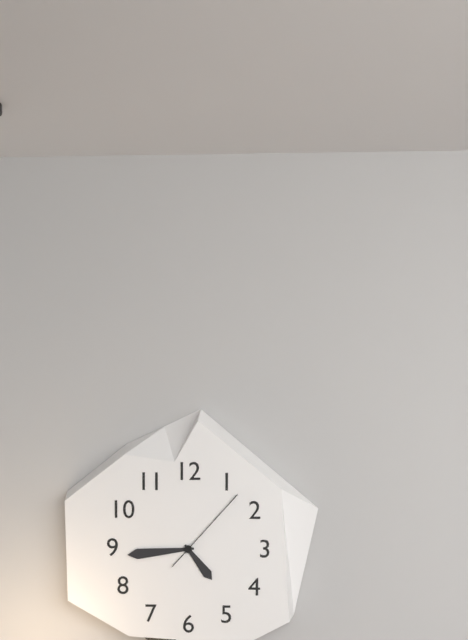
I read 4.44.07
